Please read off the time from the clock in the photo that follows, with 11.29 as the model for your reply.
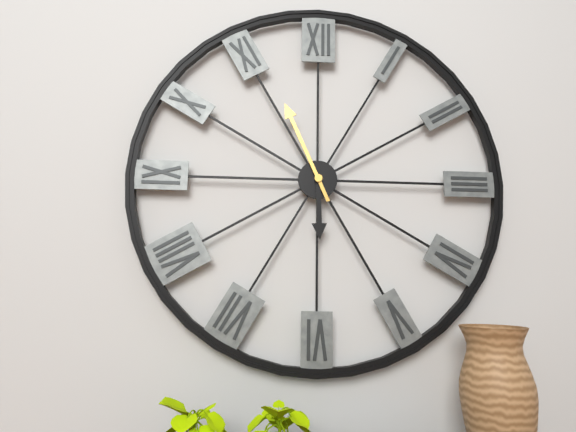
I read 5.56
